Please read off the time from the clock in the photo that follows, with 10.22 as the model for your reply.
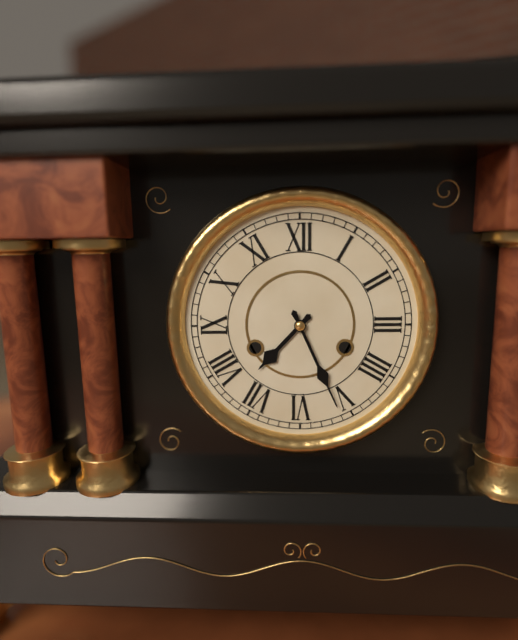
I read 7.26
